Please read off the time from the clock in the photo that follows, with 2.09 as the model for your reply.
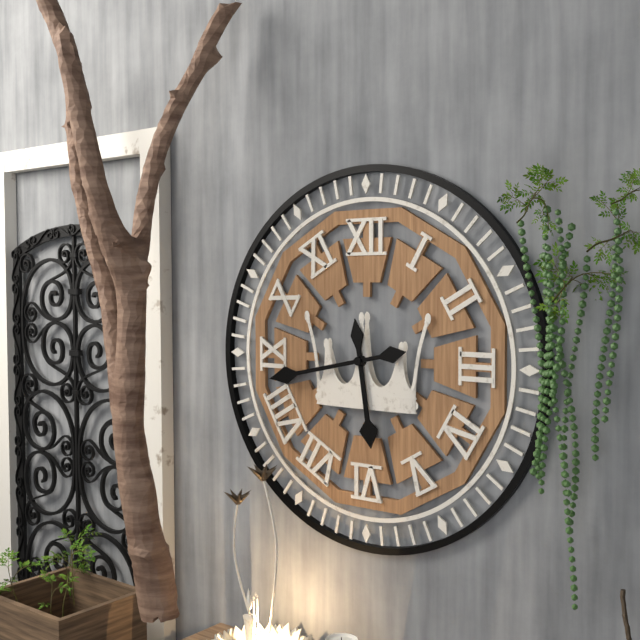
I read 5.43
